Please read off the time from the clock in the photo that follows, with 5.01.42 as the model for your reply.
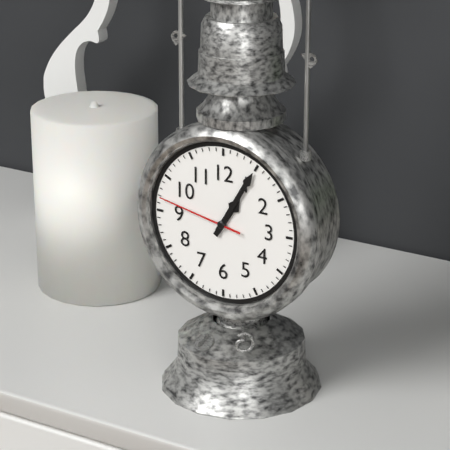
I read 1.05.47
